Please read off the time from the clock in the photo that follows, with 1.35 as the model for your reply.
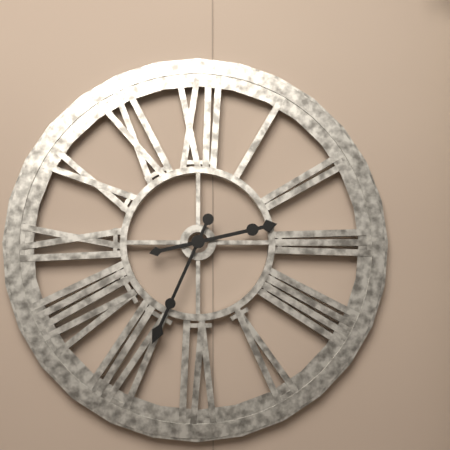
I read 2.34
